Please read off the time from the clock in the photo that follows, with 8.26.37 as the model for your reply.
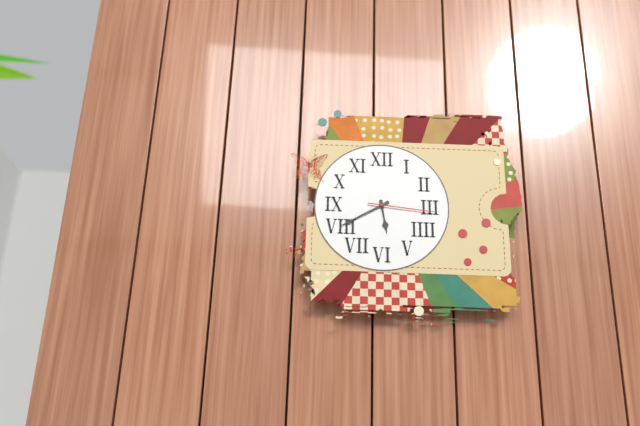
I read 5.40.16
